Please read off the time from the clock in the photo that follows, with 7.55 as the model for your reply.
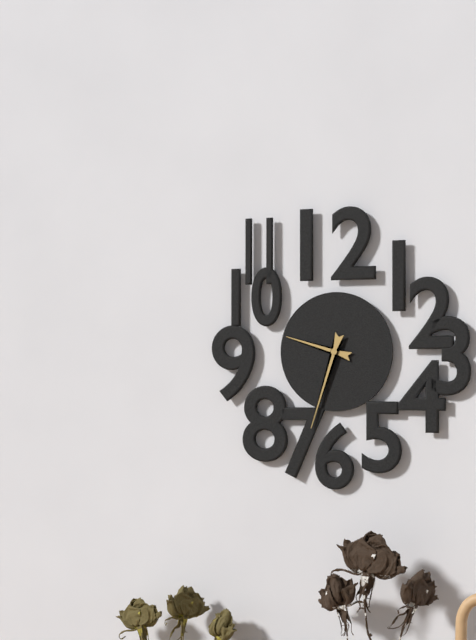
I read 9.33
